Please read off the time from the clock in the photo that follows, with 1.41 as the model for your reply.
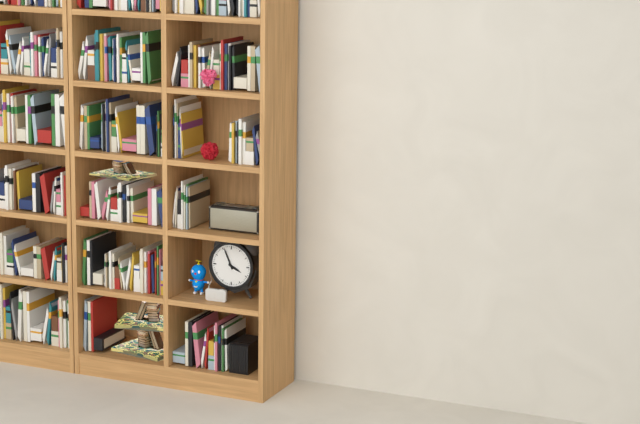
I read 3.56
